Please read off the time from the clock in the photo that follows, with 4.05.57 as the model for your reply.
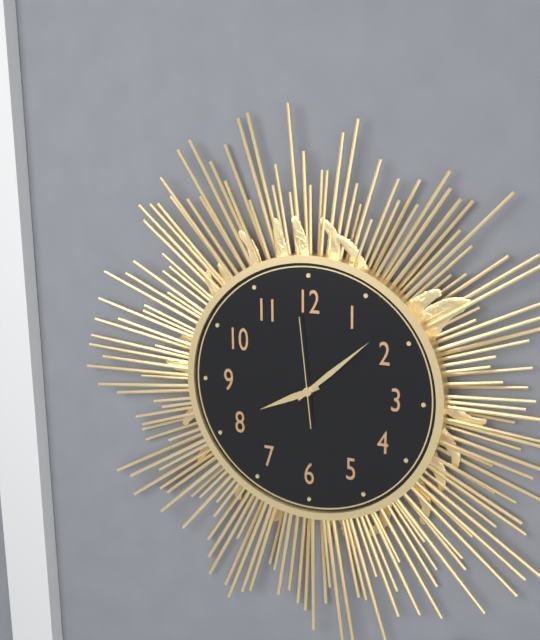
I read 8.08.59
